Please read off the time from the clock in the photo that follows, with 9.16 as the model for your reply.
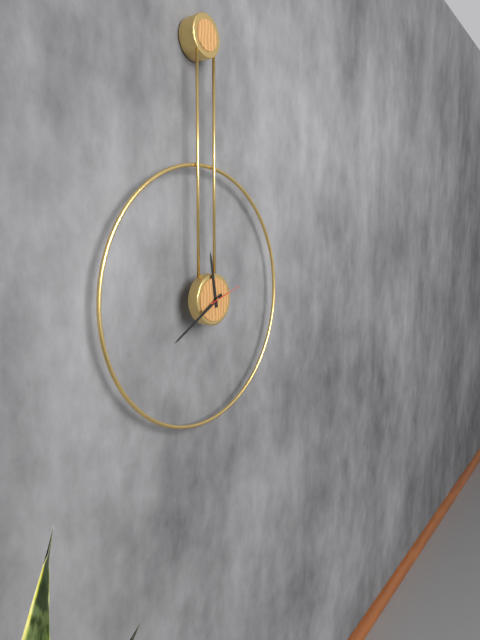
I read 11.40
